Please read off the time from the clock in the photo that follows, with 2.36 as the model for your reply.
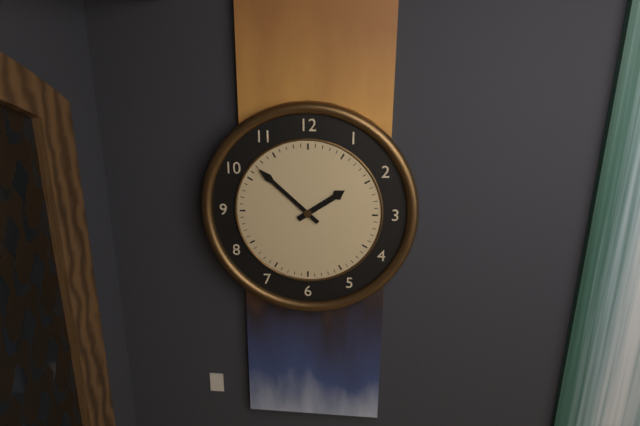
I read 1.52
